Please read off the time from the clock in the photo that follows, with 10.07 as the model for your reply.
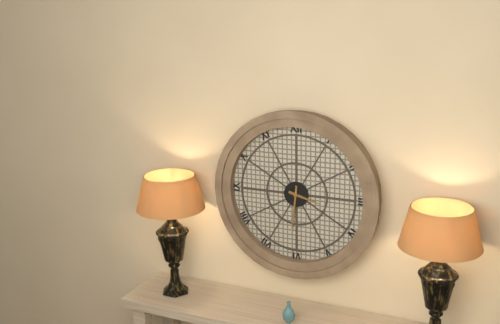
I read 3.31
